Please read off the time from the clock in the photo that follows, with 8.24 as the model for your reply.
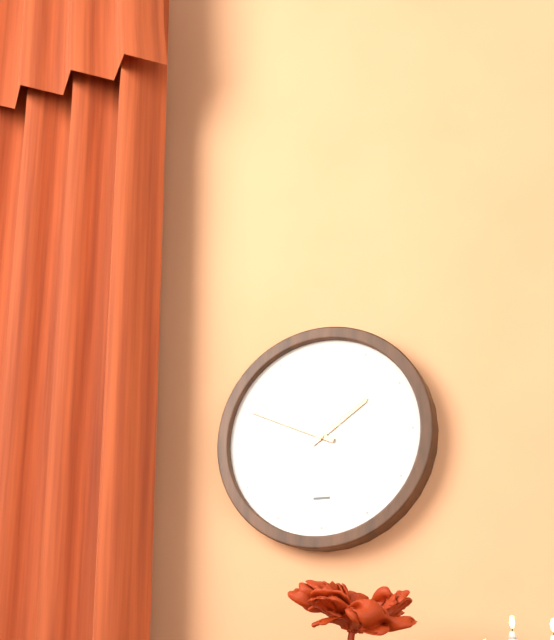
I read 1.49
